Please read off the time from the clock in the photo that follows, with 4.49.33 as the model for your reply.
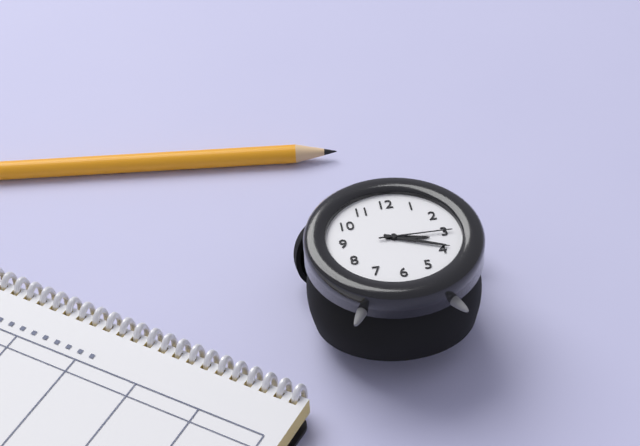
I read 3.19.15
